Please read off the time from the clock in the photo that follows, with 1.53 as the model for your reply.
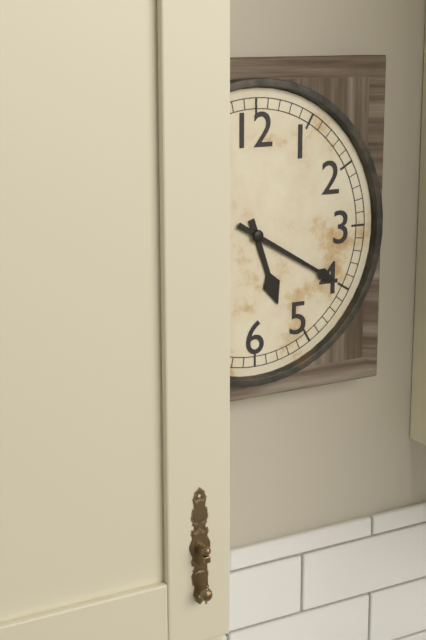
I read 5.20
